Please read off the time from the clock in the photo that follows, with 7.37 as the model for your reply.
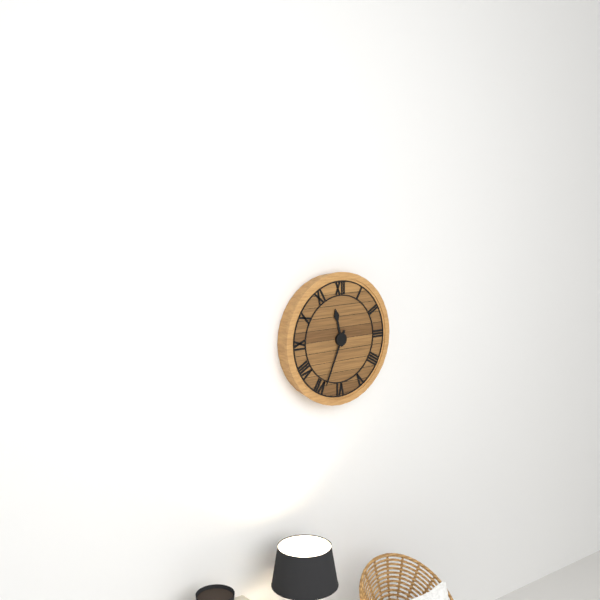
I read 11.34
